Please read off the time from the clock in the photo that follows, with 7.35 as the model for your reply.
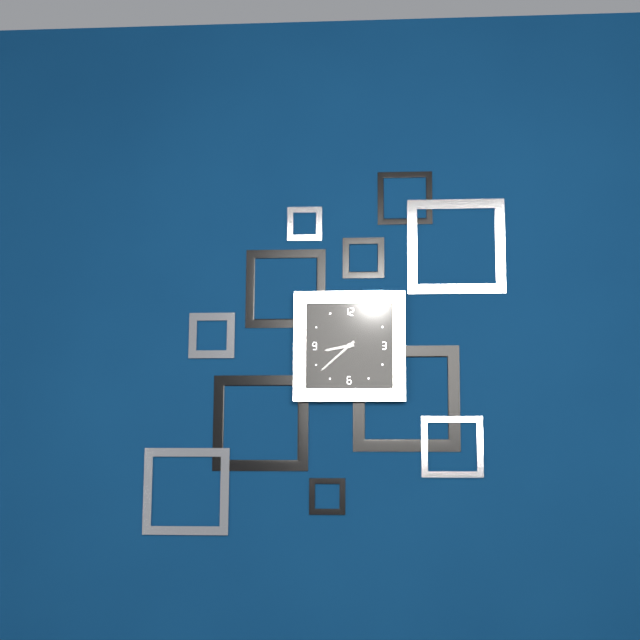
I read 8.38
